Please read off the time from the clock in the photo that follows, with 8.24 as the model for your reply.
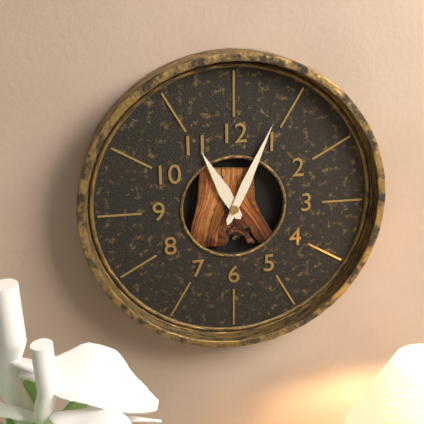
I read 11.04
